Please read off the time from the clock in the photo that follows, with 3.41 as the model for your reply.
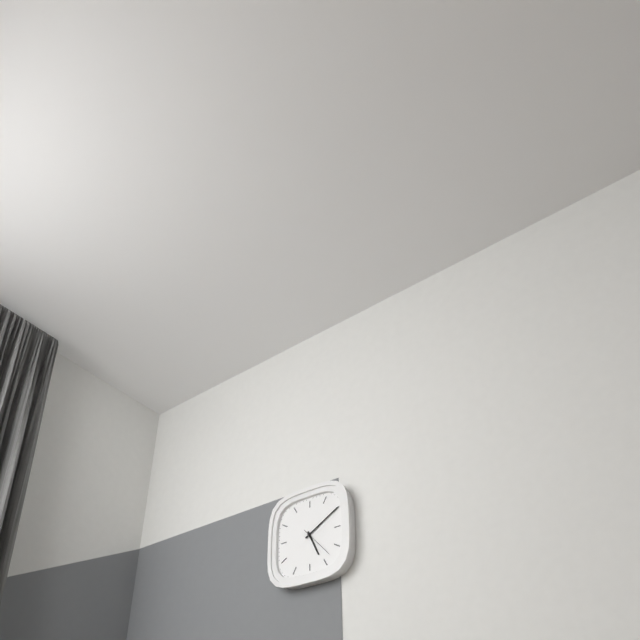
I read 5.10
